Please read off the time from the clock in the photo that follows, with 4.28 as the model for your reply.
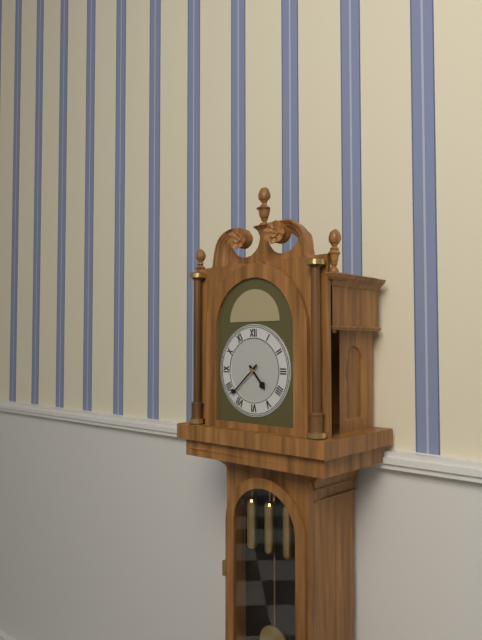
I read 4.38
